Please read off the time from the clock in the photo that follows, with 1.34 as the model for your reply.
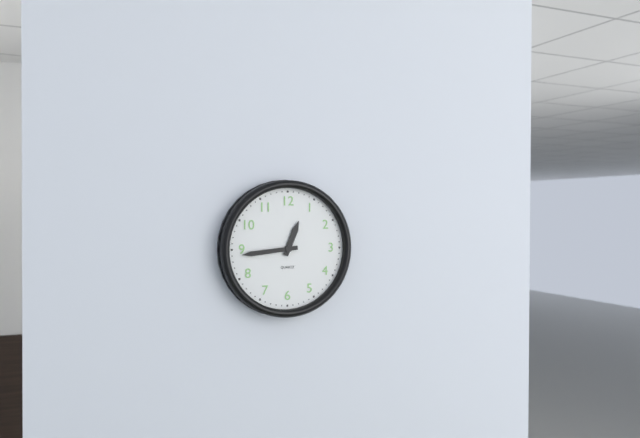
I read 12.44
